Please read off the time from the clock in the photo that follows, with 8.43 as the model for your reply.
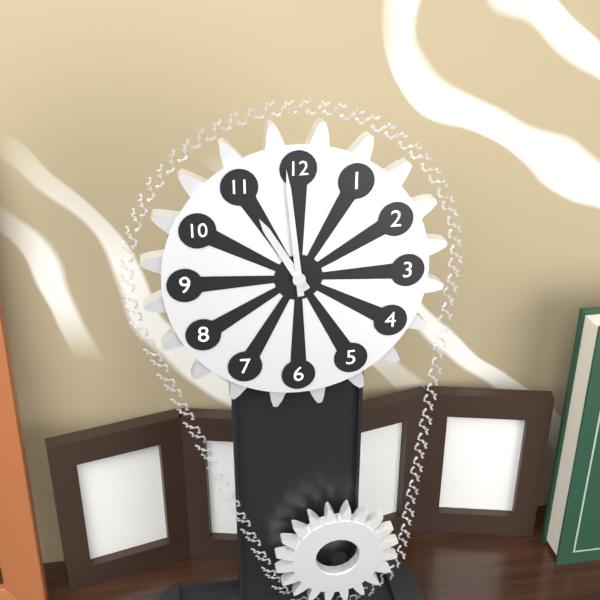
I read 10.59
